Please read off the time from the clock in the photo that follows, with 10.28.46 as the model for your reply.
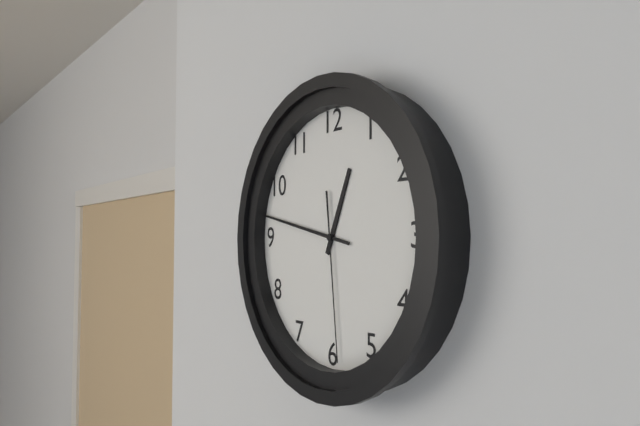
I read 12.47.29
